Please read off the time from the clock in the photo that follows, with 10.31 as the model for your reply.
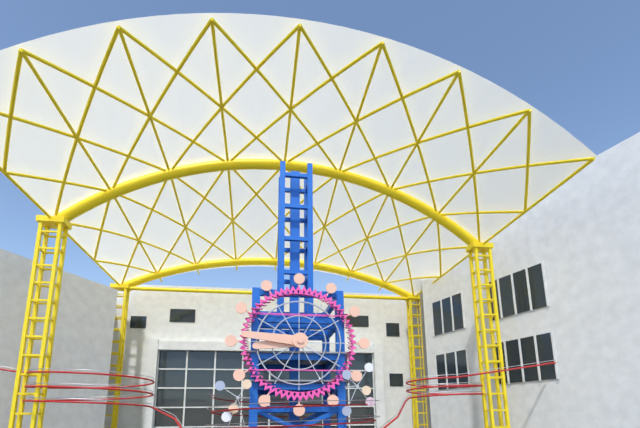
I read 8.46
